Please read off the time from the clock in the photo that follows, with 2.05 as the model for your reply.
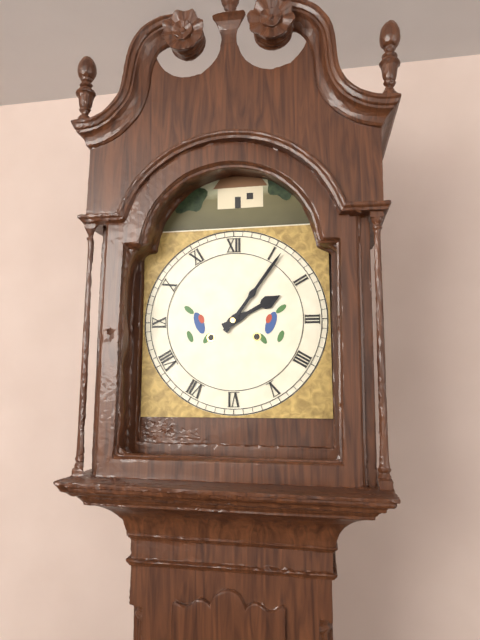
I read 2.06
